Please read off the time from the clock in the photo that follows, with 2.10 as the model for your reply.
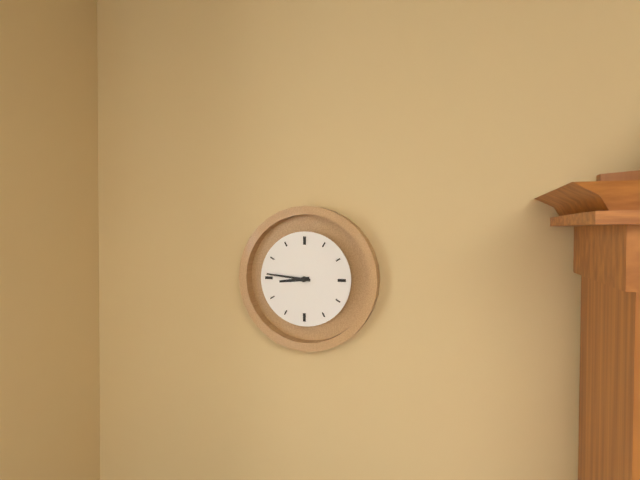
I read 8.46
